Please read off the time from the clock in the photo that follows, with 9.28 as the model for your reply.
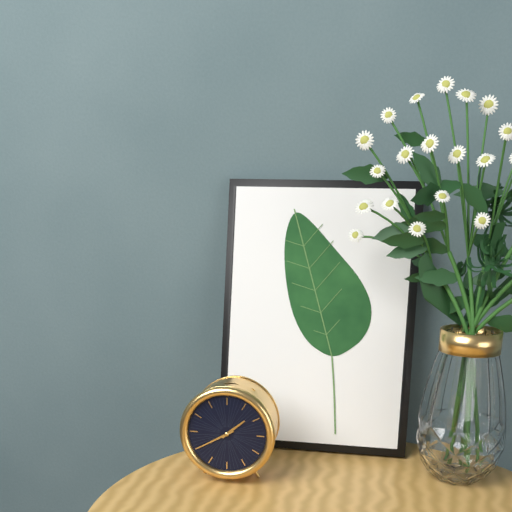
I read 1.40
